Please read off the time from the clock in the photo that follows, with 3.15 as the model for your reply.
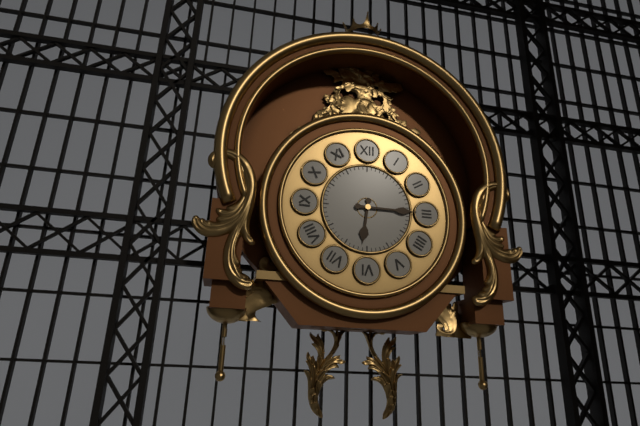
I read 6.15
